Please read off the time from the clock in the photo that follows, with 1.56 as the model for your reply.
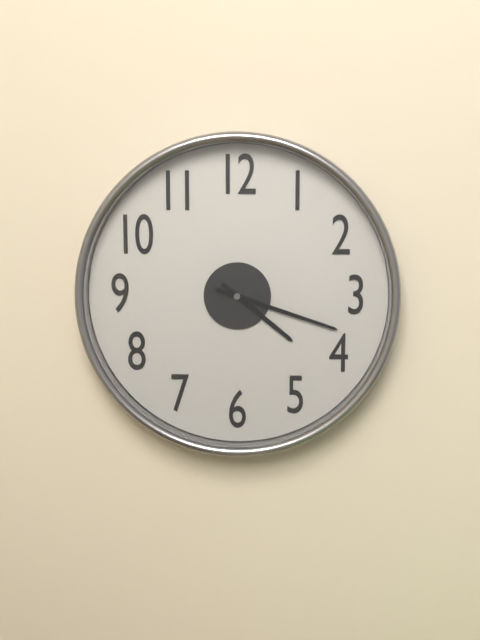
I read 4.18
